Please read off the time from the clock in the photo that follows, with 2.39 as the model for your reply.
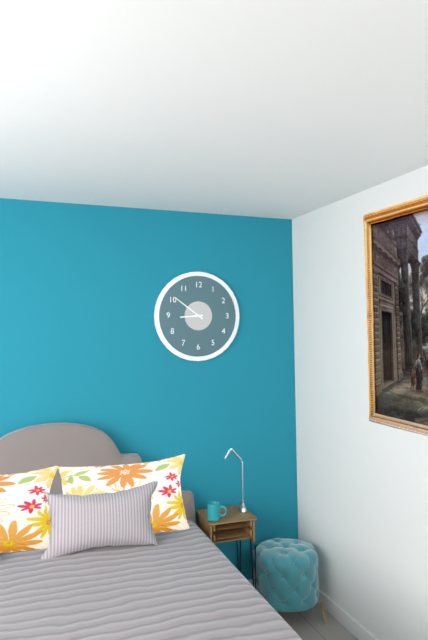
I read 8.51
